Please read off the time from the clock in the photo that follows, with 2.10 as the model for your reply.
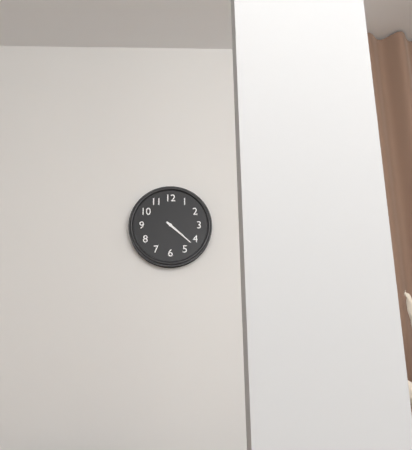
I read 4.22
